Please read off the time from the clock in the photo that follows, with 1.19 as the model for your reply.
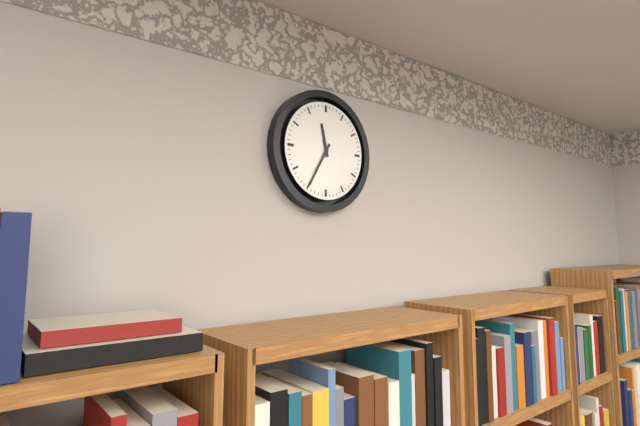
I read 11.35
